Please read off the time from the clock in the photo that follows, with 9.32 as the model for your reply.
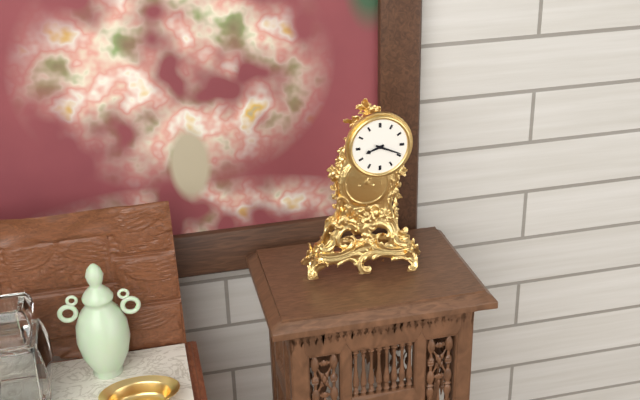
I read 8.19
